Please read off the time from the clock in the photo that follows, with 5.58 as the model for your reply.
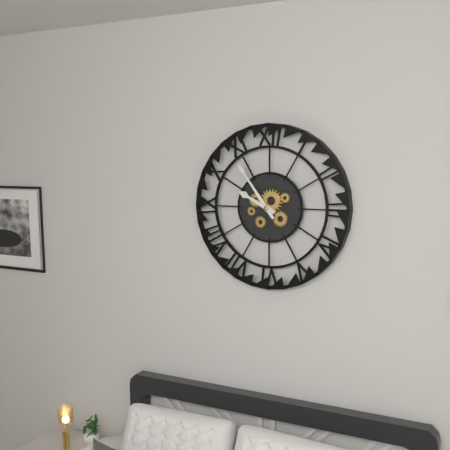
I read 9.54
